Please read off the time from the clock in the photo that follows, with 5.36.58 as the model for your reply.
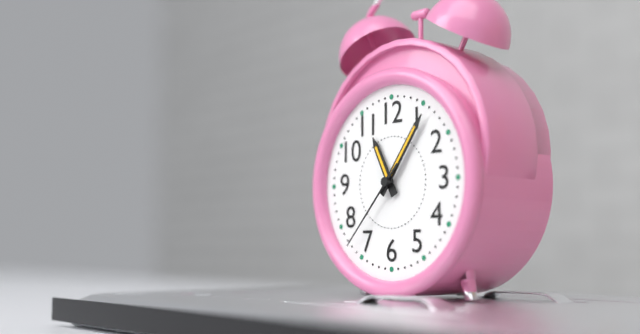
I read 11.06.37
